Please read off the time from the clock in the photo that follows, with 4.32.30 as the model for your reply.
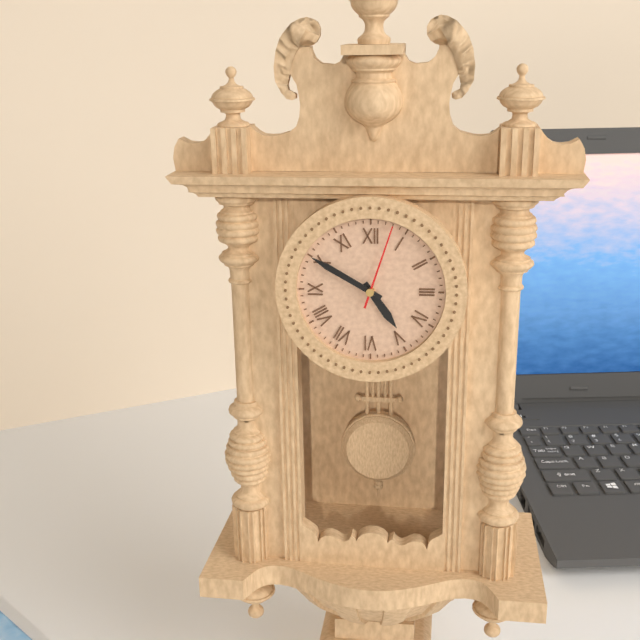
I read 4.50.03
